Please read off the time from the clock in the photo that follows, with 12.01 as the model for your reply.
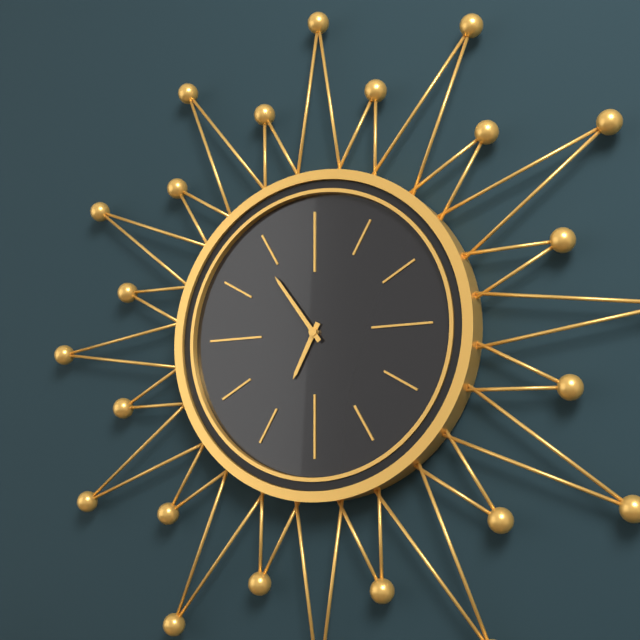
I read 6.54
